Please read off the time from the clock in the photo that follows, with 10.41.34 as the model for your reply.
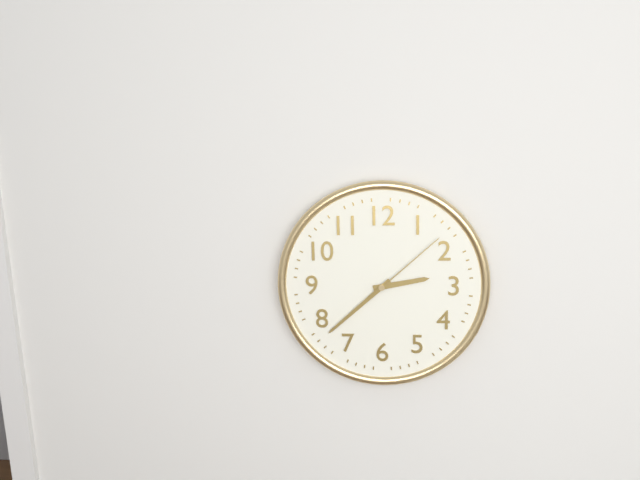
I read 2.38.08
